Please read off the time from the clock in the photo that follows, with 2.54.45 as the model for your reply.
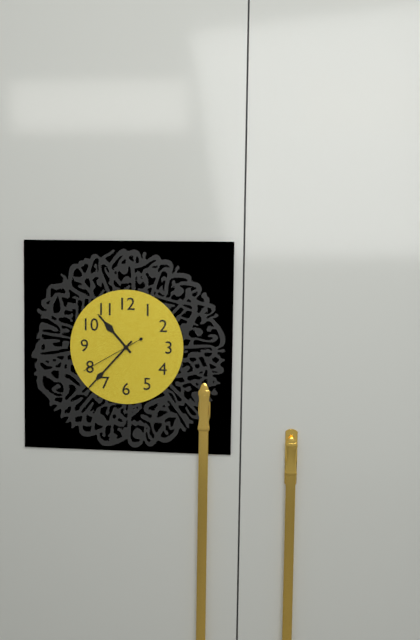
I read 10.37.40
